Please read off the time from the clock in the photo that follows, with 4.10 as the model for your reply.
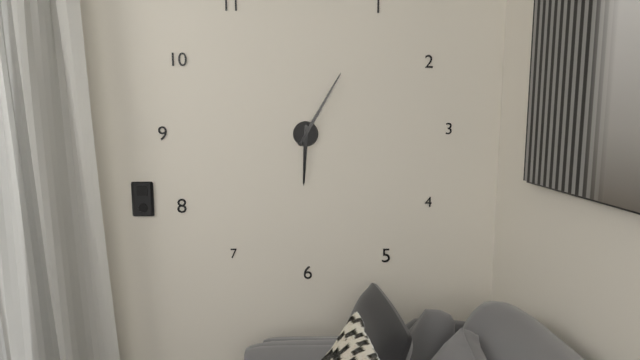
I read 6.05
